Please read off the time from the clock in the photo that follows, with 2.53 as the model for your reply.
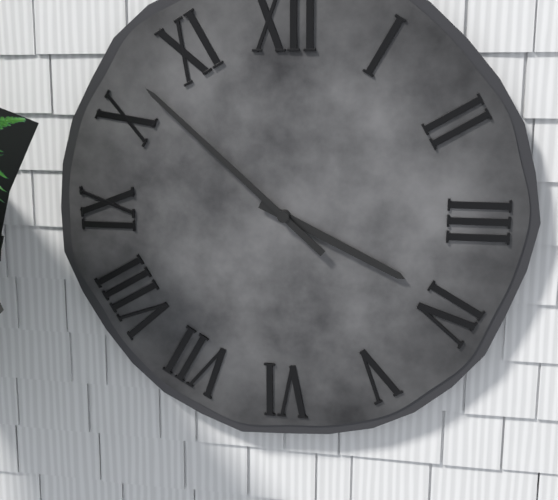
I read 3.52
